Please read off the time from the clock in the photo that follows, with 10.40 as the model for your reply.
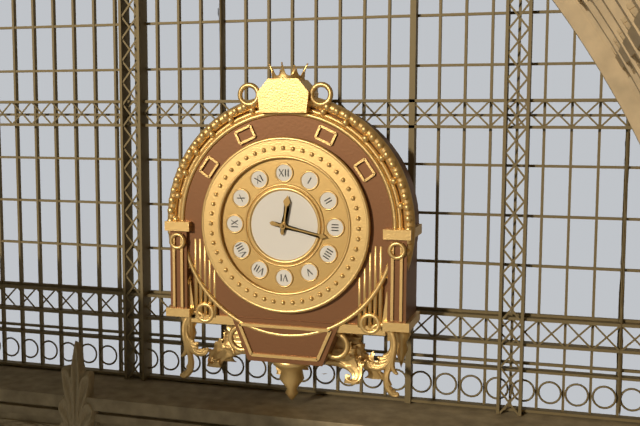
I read 12.17
